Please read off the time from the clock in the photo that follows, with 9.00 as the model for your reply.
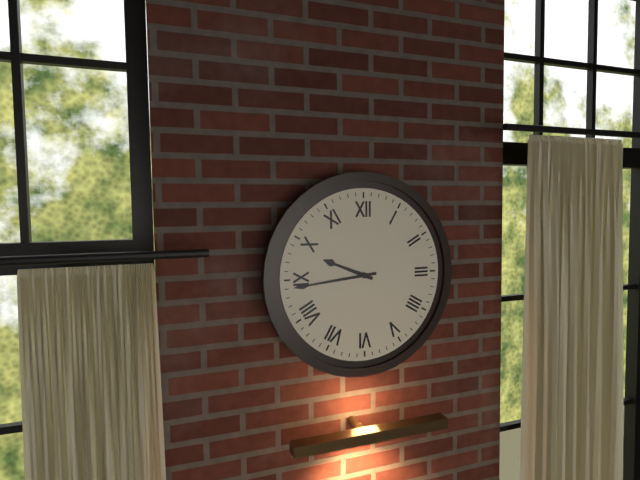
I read 9.44
